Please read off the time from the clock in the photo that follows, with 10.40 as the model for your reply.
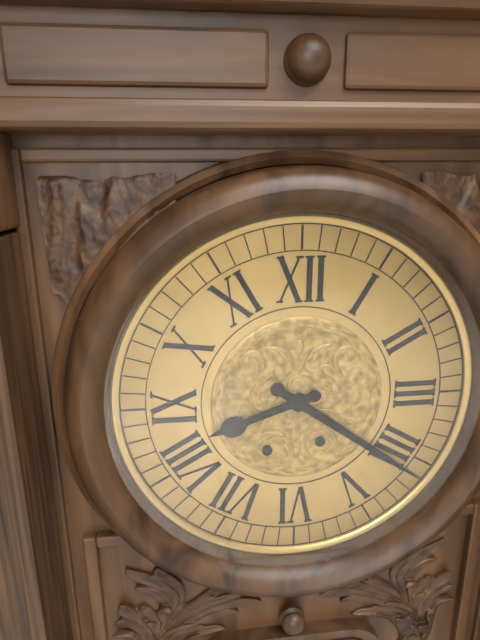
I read 8.21
